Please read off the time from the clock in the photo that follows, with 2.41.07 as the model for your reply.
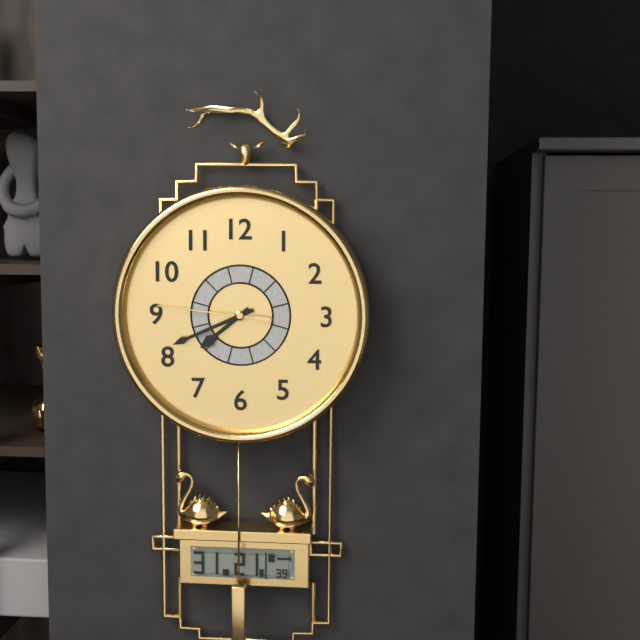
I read 7.41.46
